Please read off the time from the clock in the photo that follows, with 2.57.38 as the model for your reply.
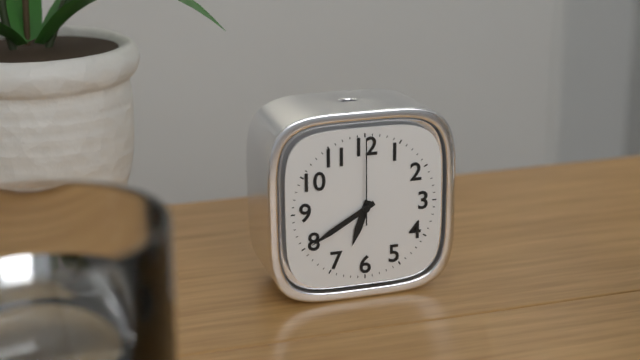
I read 6.40.00
